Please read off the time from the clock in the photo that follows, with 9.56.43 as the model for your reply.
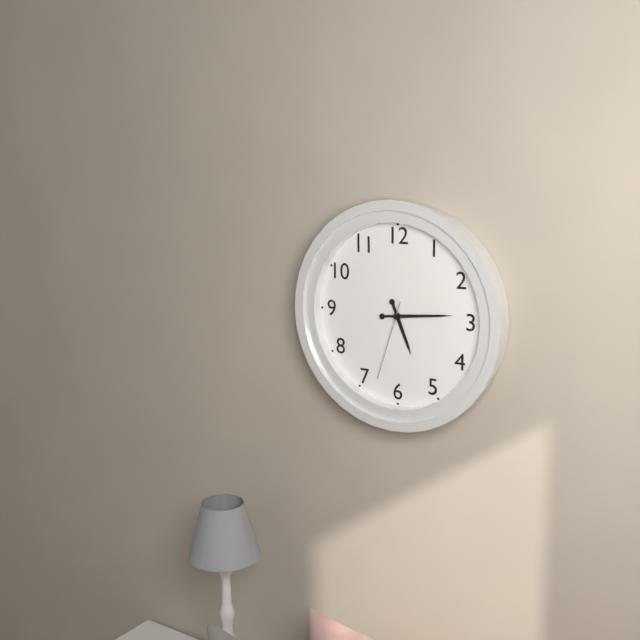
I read 5.14.33
